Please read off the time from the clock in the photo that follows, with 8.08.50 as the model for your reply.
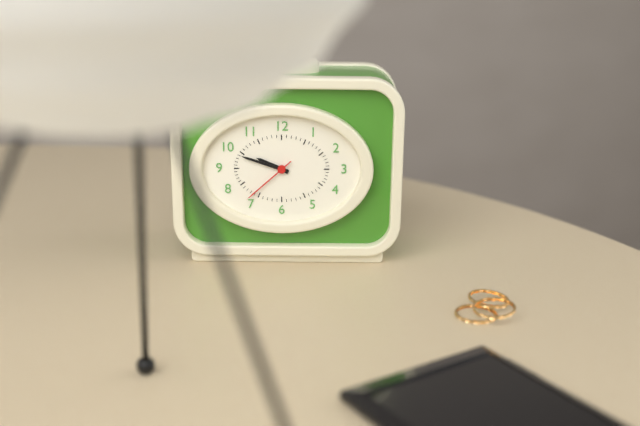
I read 9.48.38
